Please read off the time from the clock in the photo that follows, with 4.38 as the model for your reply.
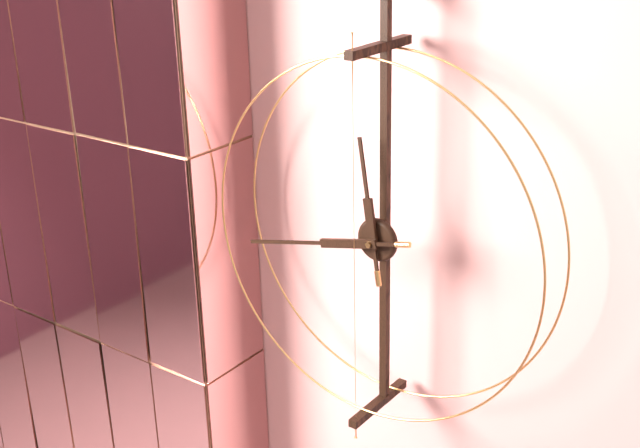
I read 11.43
